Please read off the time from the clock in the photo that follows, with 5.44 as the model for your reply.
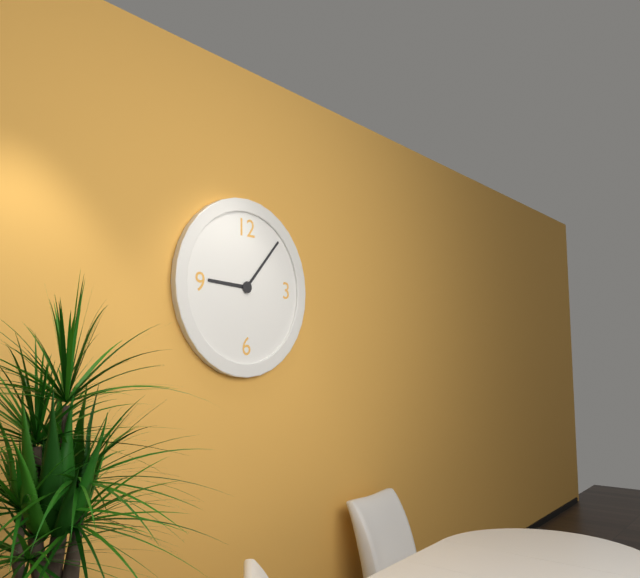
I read 9.07
